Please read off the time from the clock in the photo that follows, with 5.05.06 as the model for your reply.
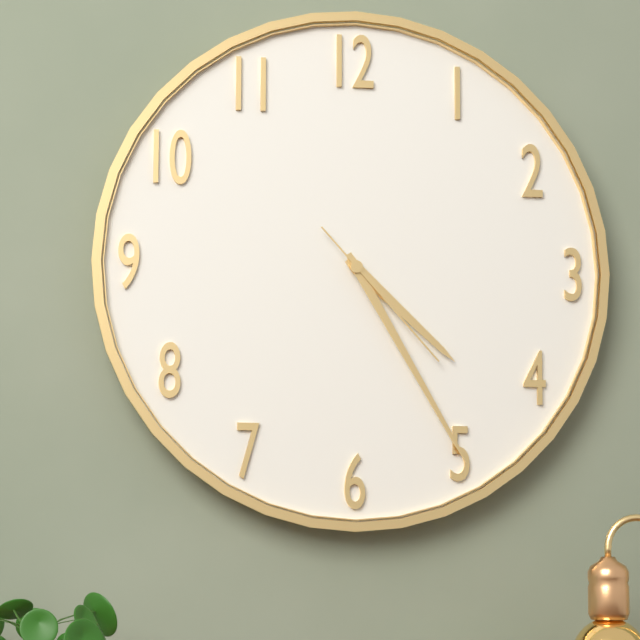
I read 4.25.23
